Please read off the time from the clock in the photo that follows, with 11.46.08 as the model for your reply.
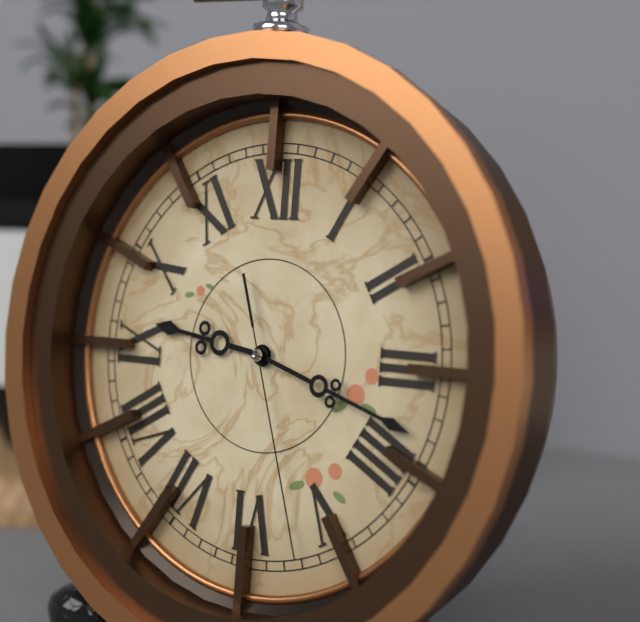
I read 9.18.27
